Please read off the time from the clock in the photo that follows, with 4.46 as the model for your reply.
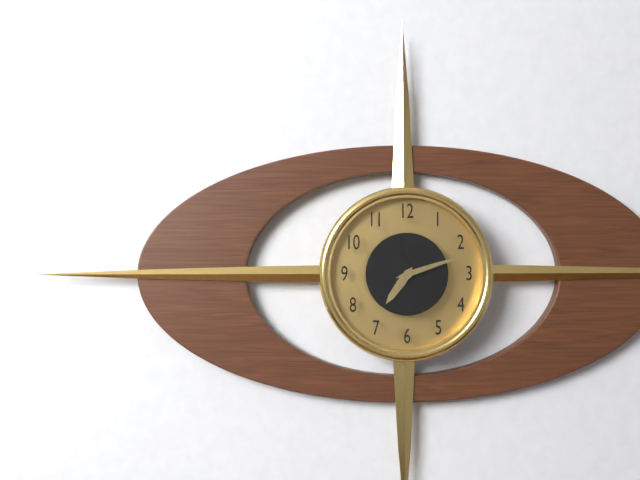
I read 7.12
